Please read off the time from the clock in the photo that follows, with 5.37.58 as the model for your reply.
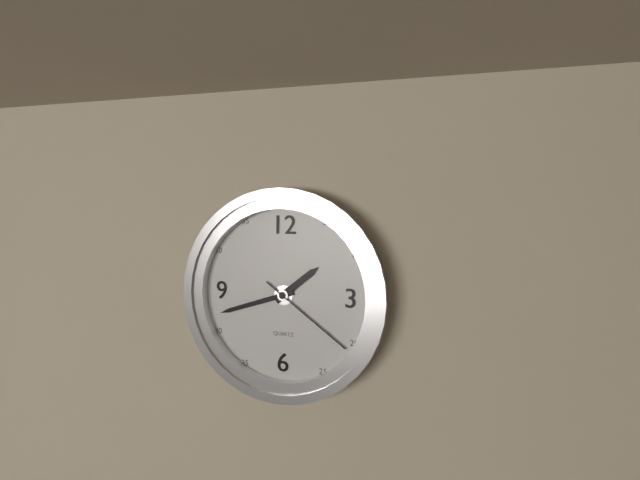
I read 1.42.21
